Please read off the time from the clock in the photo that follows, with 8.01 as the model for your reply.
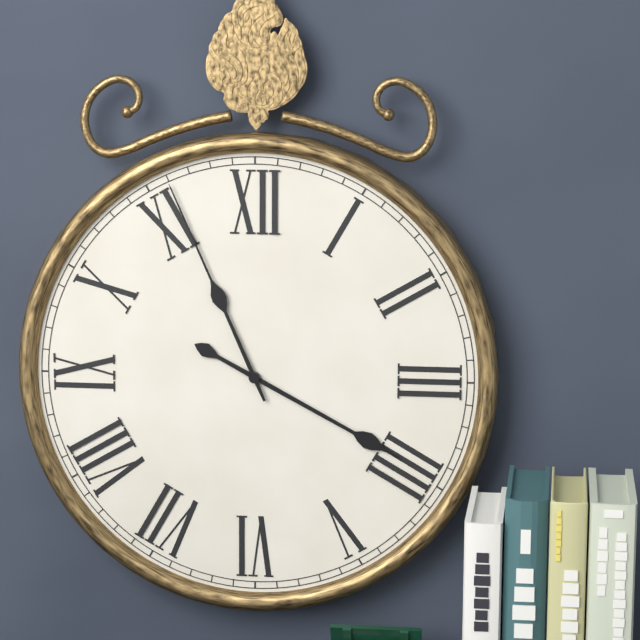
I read 3.56
